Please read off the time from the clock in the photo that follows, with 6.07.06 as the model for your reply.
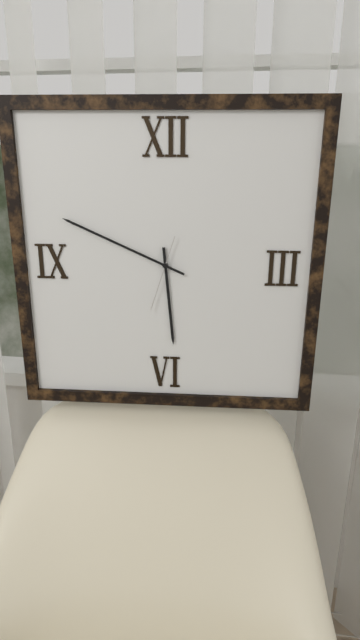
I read 5.49.33
